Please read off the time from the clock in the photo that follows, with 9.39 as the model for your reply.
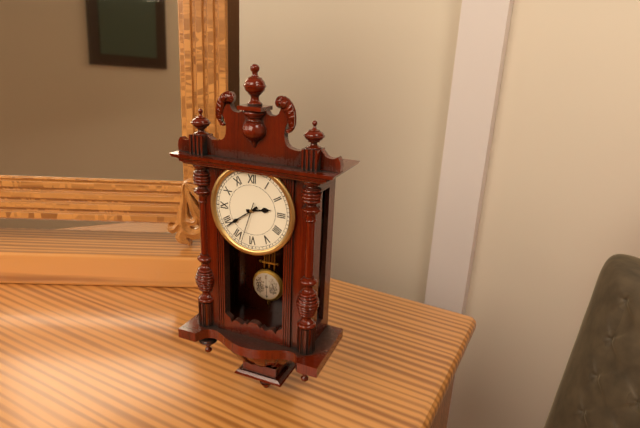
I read 2.39
